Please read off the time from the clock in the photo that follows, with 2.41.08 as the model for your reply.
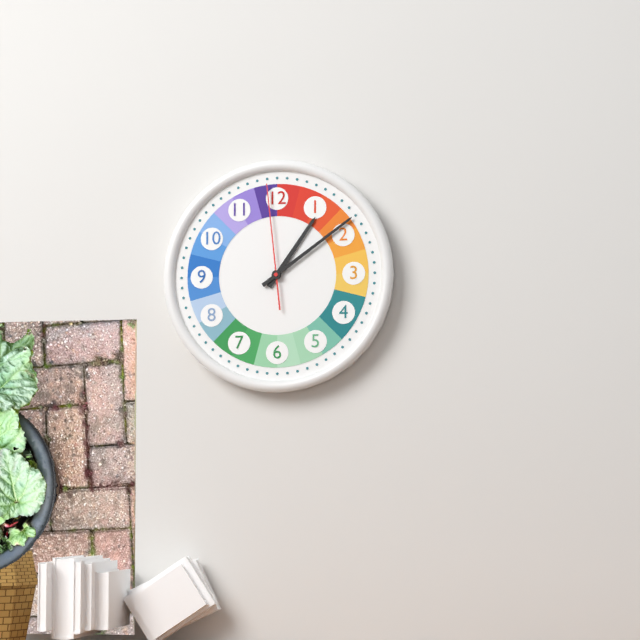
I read 1.09.59
